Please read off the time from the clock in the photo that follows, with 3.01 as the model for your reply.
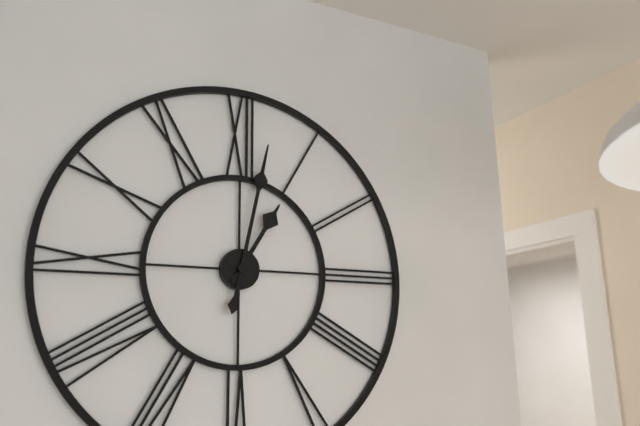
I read 1.02
